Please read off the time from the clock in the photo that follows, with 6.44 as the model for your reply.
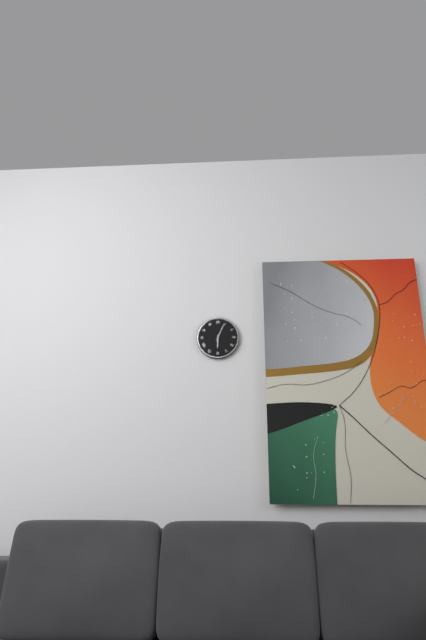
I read 6.04
